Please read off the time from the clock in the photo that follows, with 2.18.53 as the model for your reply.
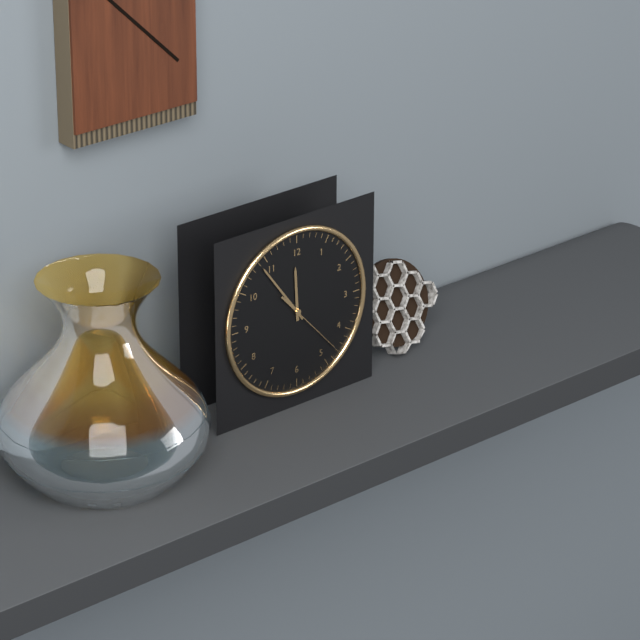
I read 11.54.23
